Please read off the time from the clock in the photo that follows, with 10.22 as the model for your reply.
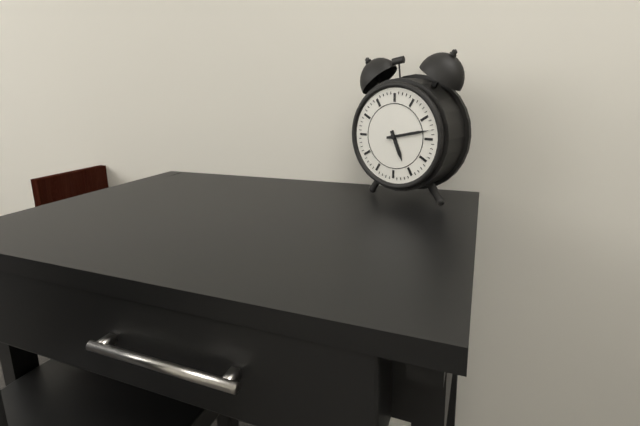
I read 5.13
